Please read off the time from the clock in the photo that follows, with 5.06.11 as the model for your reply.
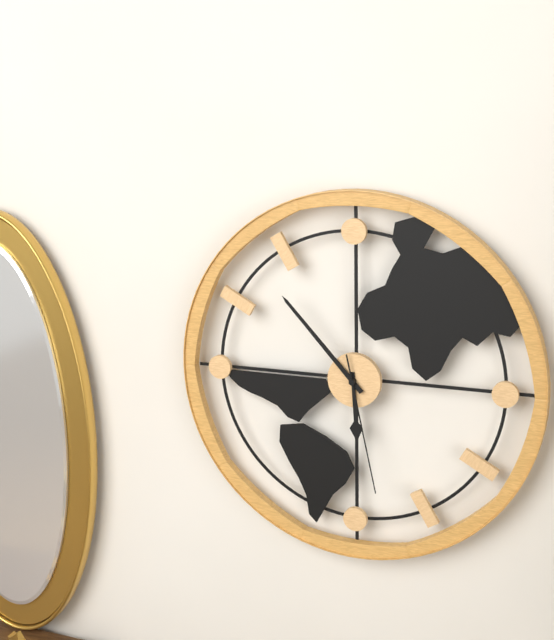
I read 5.53.28
